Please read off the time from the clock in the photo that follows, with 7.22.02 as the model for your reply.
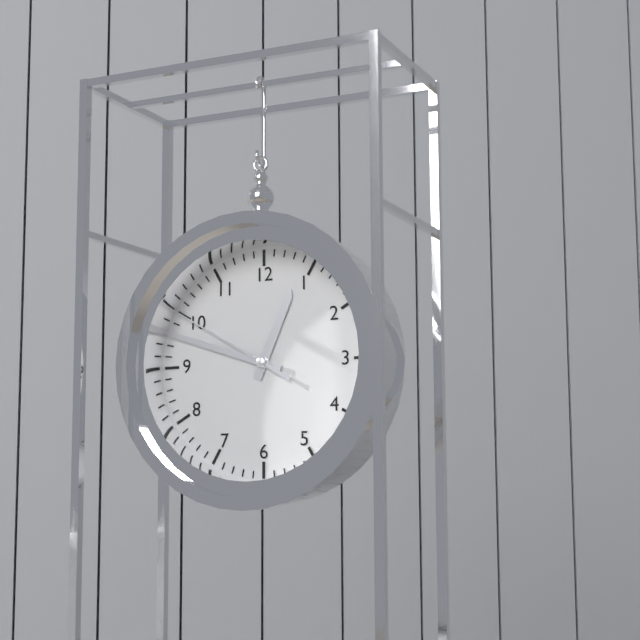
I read 12.48.50
